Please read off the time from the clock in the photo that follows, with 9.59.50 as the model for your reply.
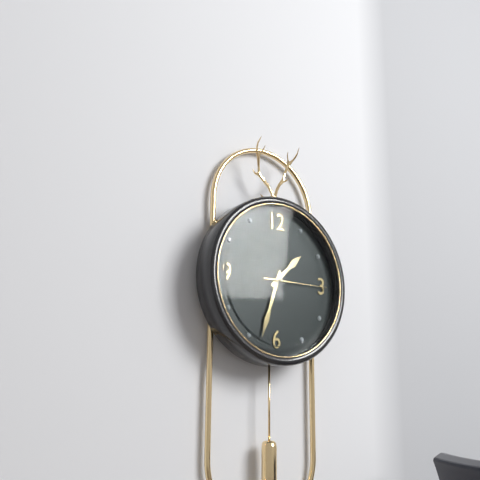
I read 1.33.15
